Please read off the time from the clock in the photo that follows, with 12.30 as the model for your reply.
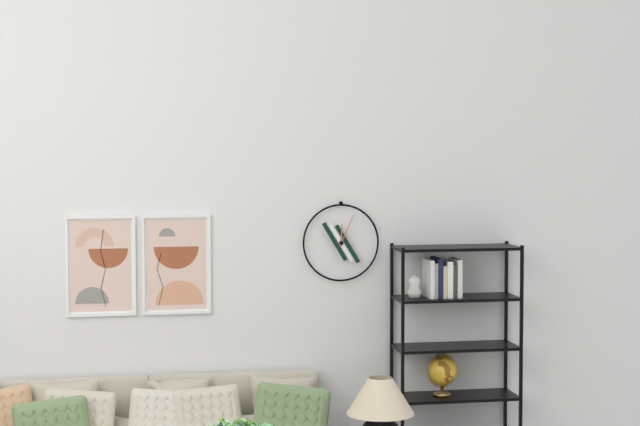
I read 12.04
